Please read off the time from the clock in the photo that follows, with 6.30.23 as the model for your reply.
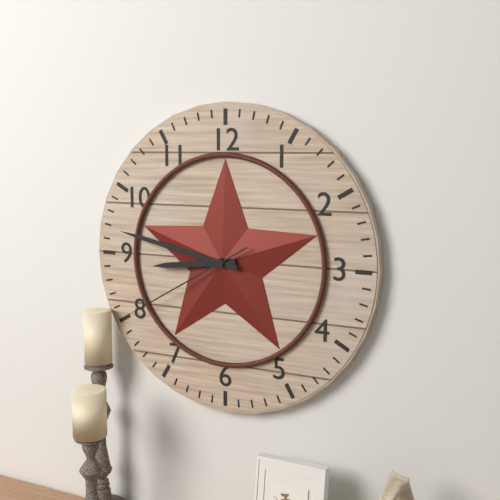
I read 8.47.40
